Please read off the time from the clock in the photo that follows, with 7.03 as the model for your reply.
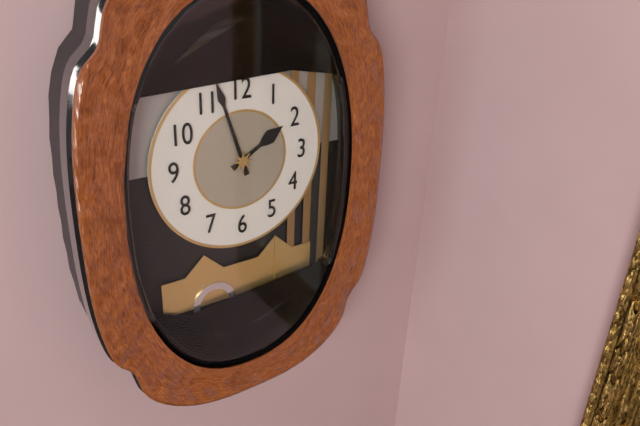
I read 1.57
